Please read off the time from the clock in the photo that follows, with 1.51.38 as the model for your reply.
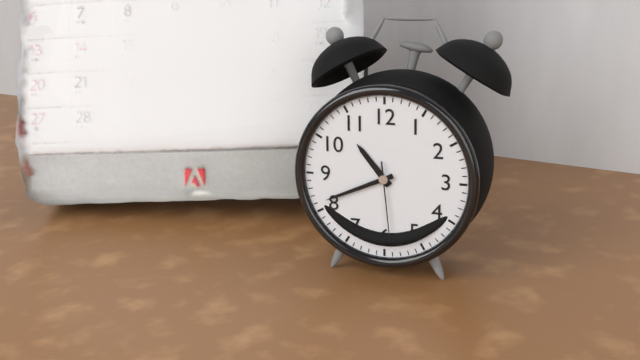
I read 10.41.29
